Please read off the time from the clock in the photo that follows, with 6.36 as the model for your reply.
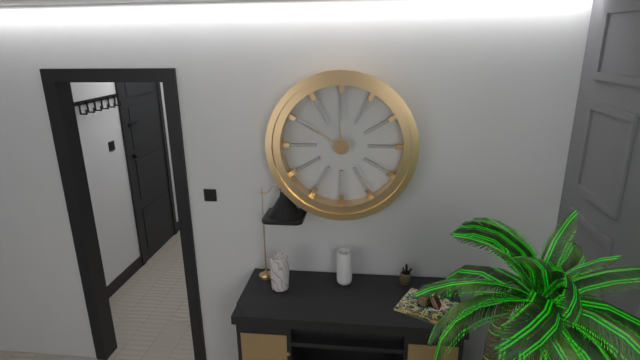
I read 11.51
